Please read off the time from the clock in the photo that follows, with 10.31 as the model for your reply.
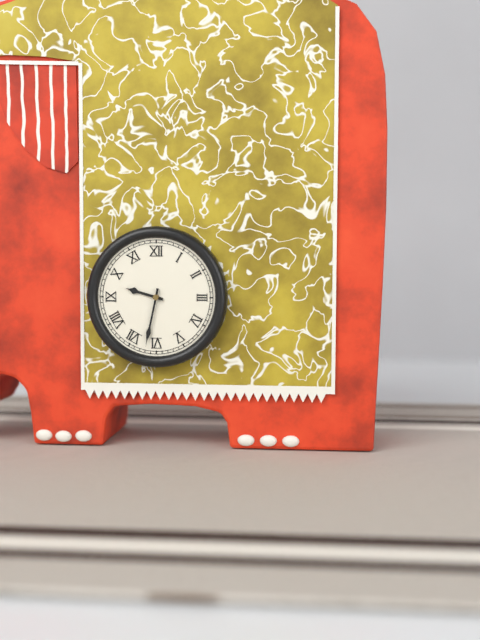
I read 9.32
